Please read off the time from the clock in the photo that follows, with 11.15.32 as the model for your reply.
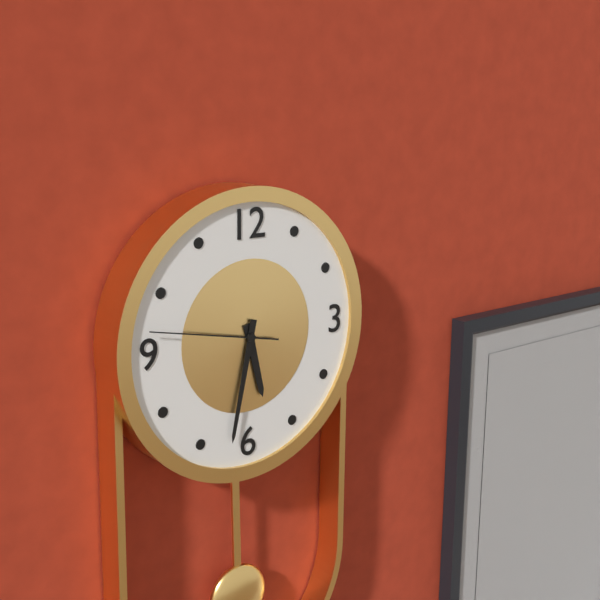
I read 5.32.47
